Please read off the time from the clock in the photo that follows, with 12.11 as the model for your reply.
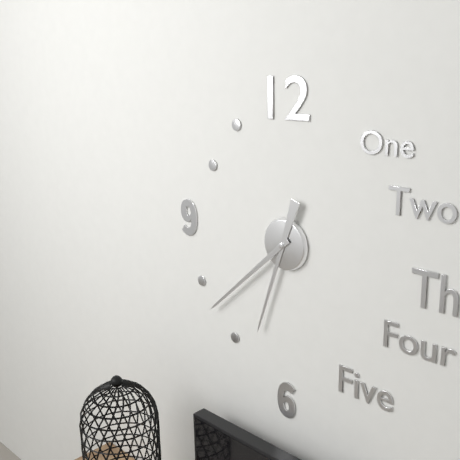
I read 6.38
